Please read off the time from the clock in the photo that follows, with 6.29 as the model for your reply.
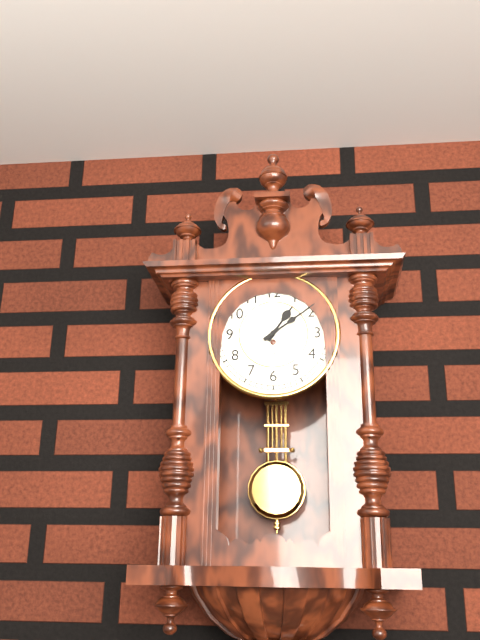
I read 1.09
